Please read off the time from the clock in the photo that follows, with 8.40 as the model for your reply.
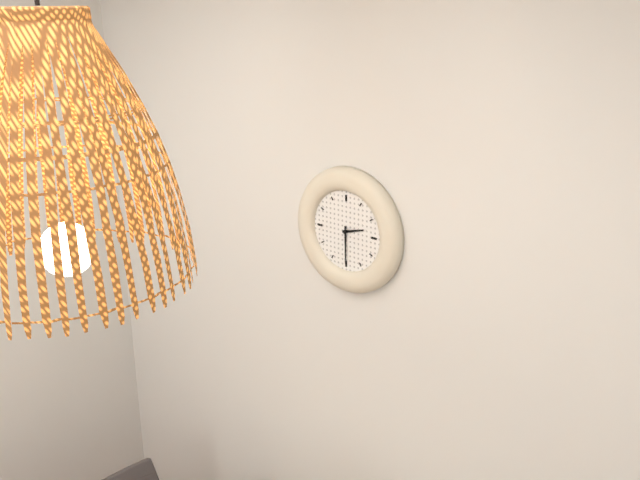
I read 2.30
